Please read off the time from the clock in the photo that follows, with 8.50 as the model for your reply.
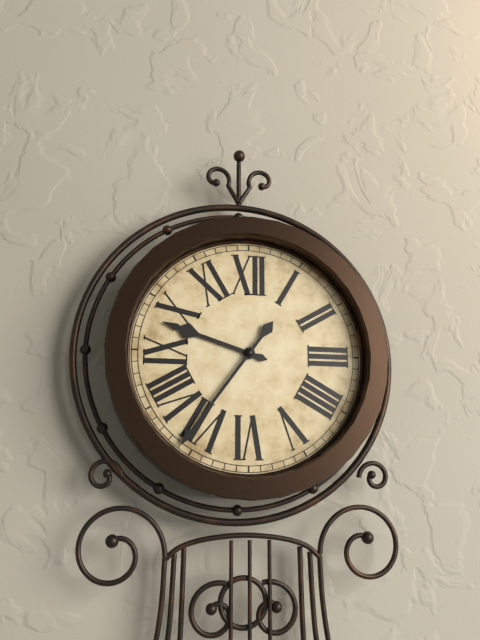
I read 9.36
